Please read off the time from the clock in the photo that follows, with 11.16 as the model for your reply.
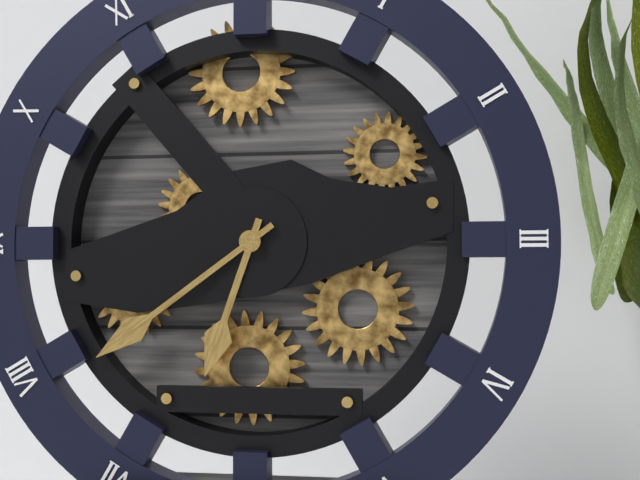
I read 6.39
